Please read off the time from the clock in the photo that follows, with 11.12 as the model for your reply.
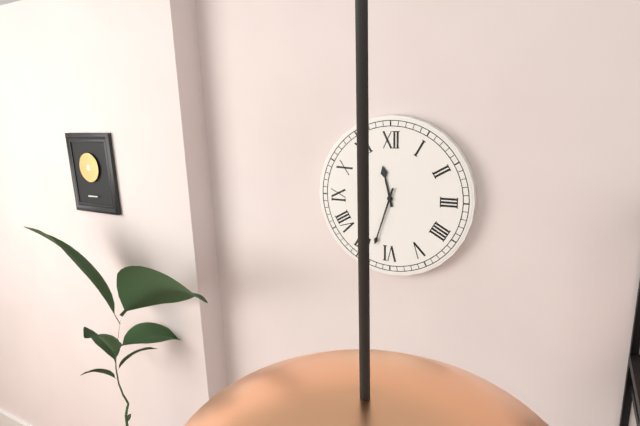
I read 11.33
